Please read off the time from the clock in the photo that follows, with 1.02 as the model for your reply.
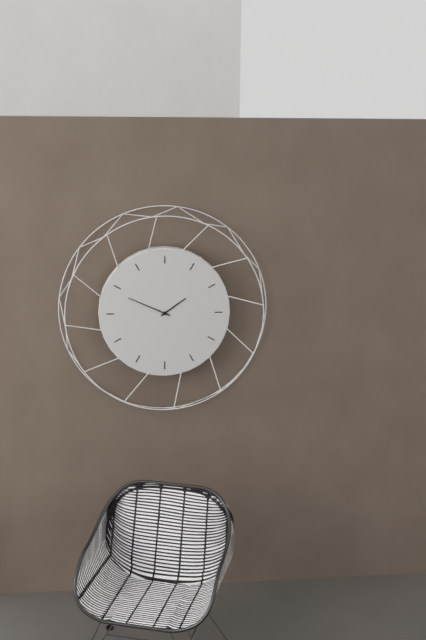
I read 1.49
